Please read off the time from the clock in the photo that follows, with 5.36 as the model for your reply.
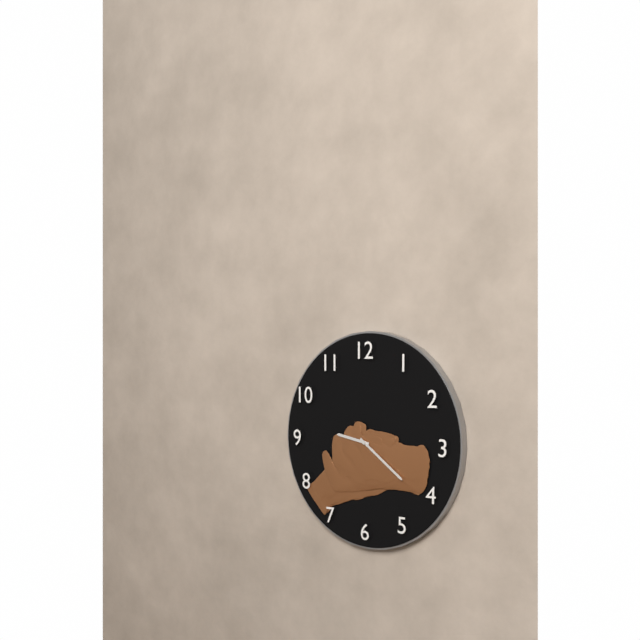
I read 9.21
